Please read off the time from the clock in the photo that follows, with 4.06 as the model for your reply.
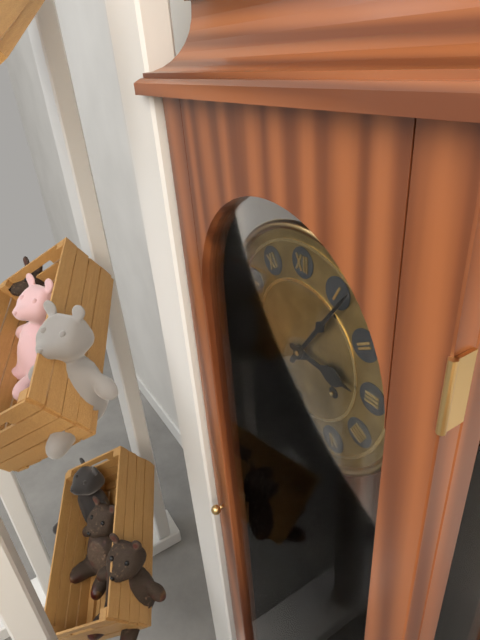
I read 3.06
